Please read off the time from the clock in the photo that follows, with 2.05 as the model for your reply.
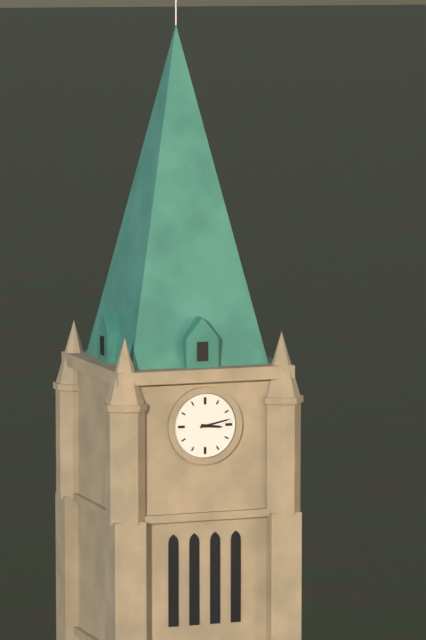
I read 3.13
